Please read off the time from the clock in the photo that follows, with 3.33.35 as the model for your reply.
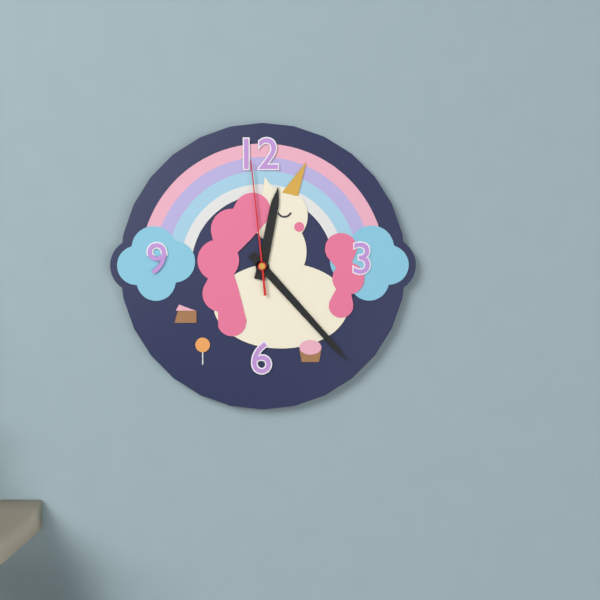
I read 12.23.59
